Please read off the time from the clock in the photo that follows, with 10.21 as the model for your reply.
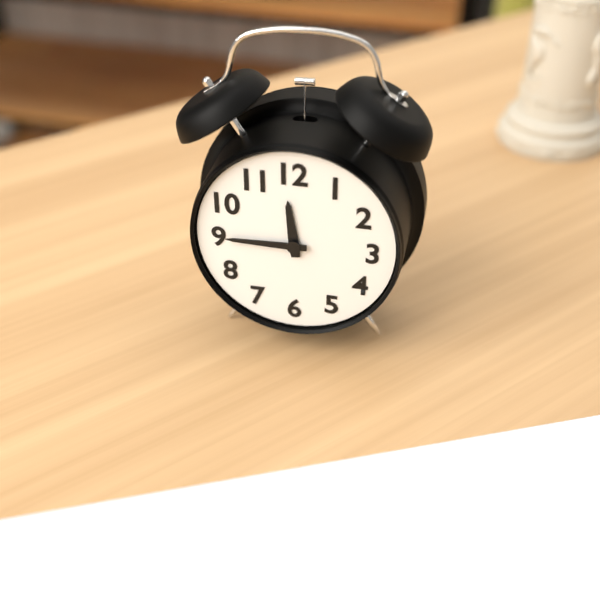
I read 11.45
